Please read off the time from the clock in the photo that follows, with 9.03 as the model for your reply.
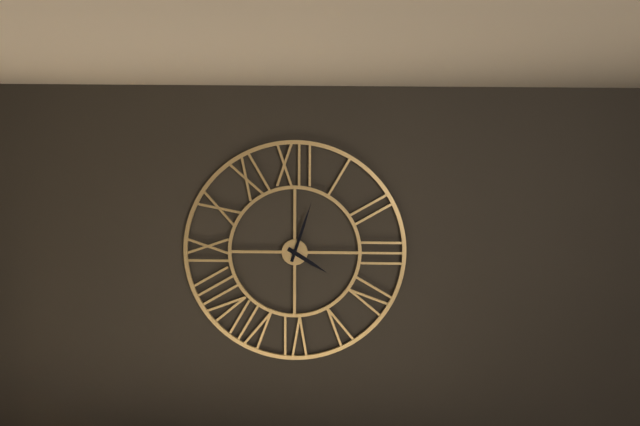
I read 4.03
